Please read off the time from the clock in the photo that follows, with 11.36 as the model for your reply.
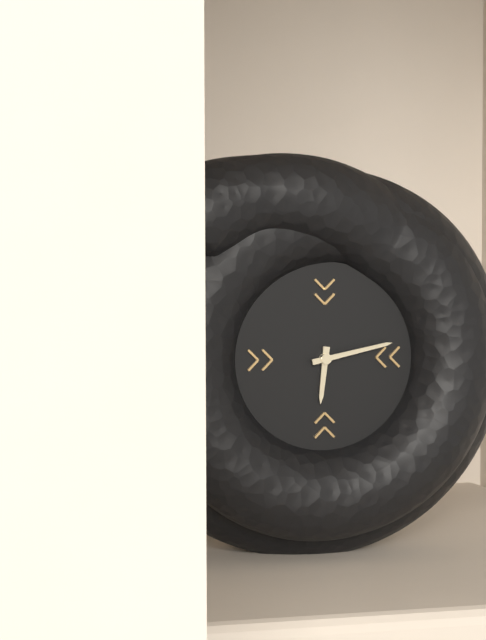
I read 6.13
